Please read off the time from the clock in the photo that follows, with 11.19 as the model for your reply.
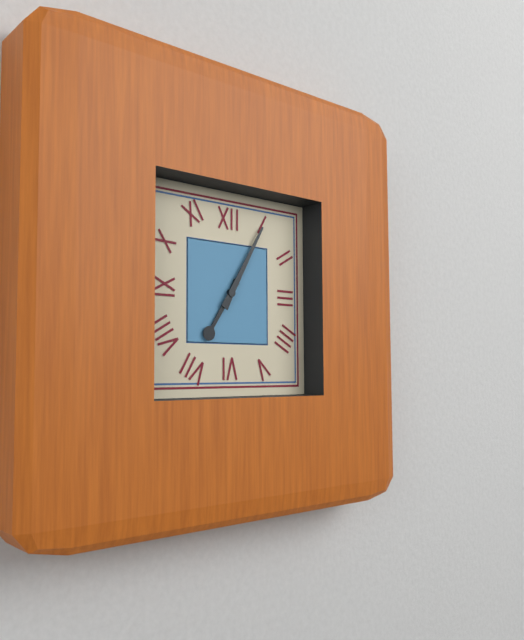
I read 7.05
